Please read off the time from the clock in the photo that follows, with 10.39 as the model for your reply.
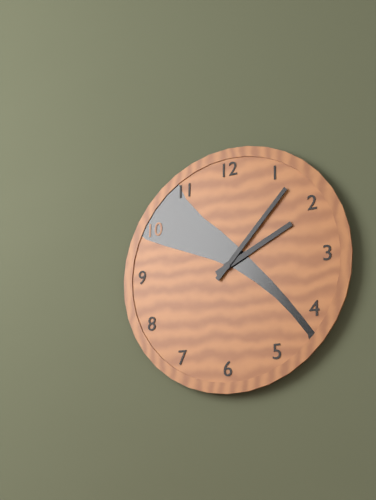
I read 2.07
